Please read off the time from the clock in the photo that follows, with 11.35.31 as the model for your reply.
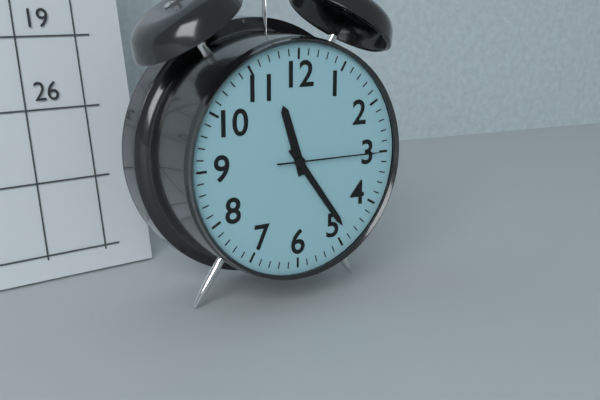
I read 11.24.15
